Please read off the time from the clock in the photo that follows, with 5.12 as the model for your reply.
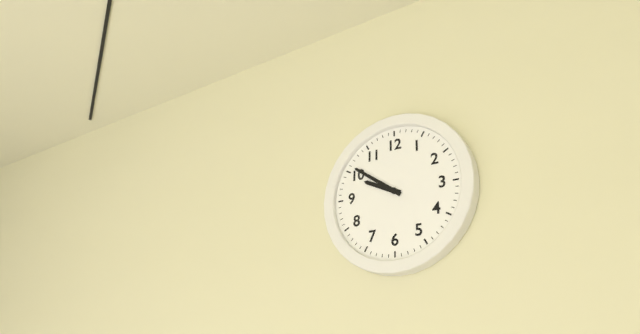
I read 9.51
